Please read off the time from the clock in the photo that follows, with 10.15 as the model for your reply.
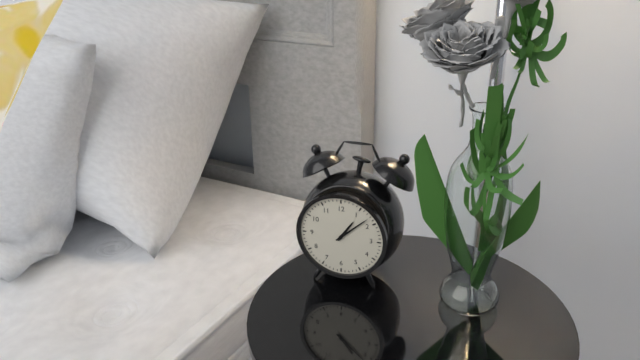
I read 1.08
